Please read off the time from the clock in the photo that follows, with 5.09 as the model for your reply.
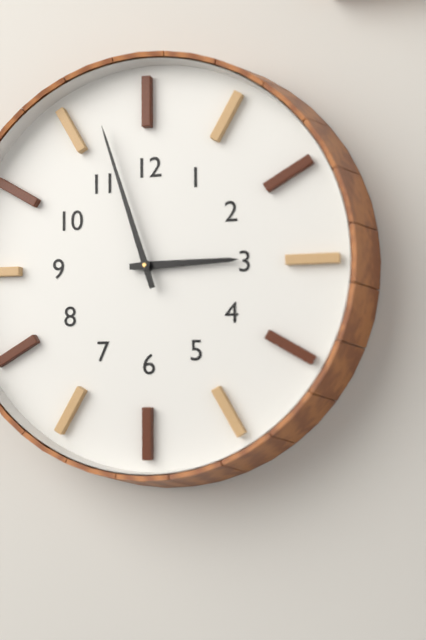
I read 2.57
